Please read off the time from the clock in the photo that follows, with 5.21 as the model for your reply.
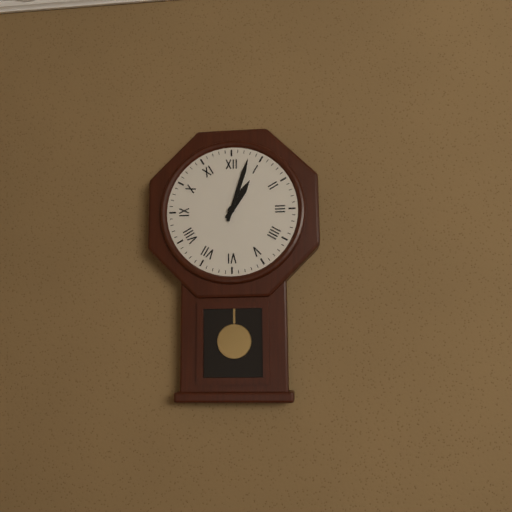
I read 1.03
